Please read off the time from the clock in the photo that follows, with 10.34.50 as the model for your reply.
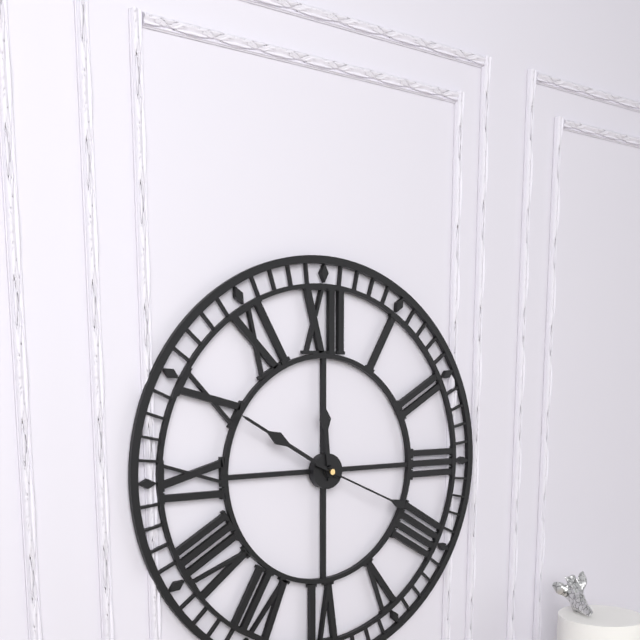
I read 11.50.19
